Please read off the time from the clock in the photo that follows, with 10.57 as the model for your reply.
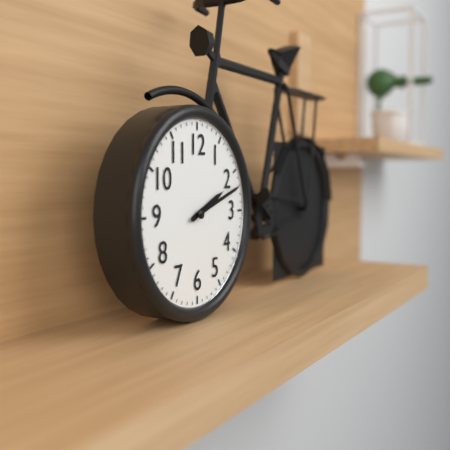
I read 2.12
